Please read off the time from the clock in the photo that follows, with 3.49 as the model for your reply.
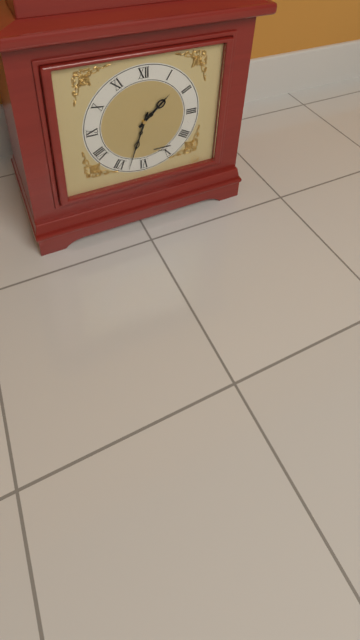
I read 1.33
